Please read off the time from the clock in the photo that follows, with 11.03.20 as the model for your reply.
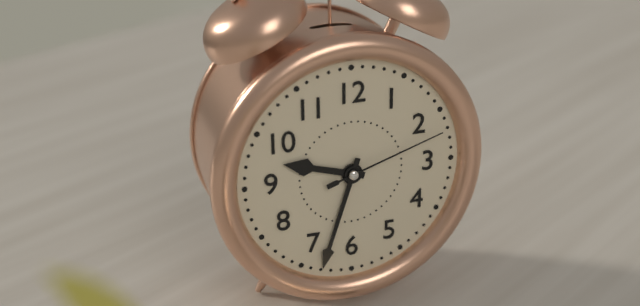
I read 9.33.12
